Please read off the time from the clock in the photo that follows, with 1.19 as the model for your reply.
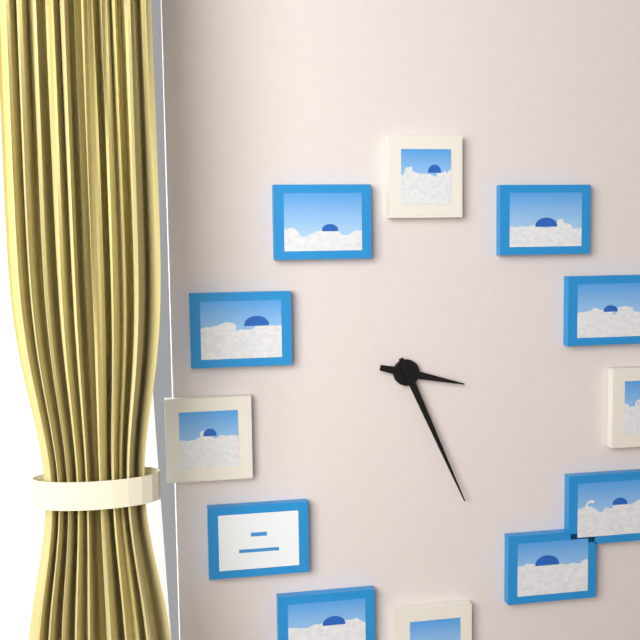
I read 3.26
